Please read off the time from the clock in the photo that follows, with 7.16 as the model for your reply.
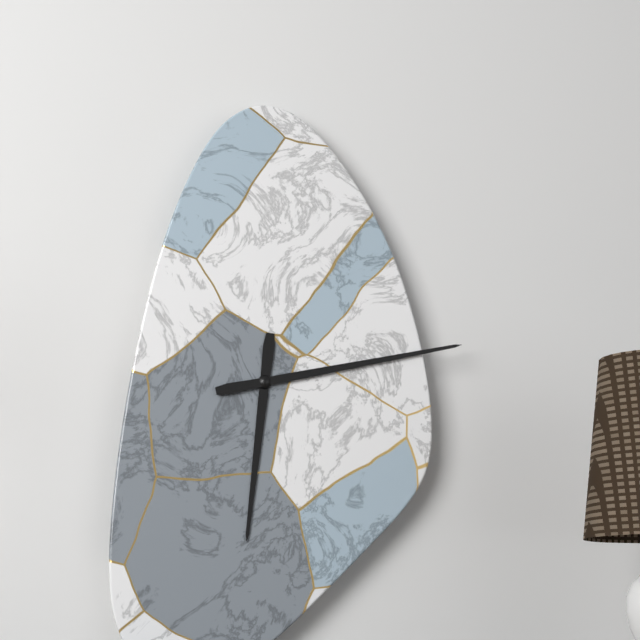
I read 6.13
